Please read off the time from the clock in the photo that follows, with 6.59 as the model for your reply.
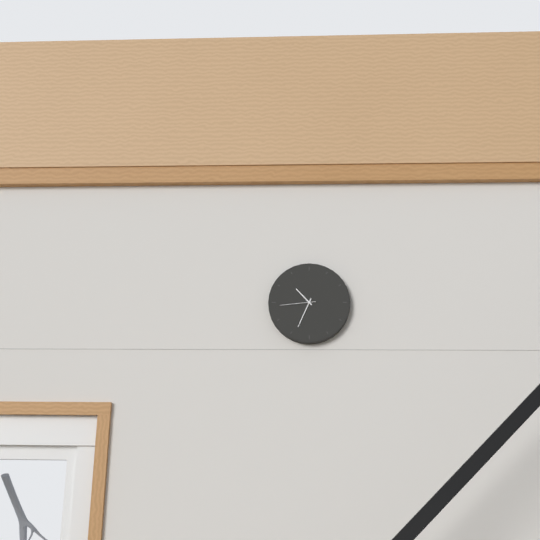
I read 10.34
